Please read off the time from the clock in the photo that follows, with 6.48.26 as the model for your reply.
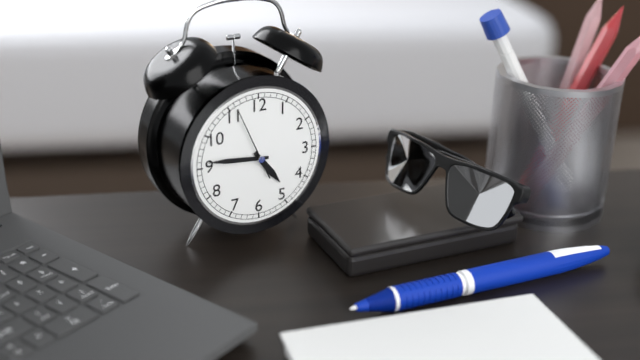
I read 4.46.56
